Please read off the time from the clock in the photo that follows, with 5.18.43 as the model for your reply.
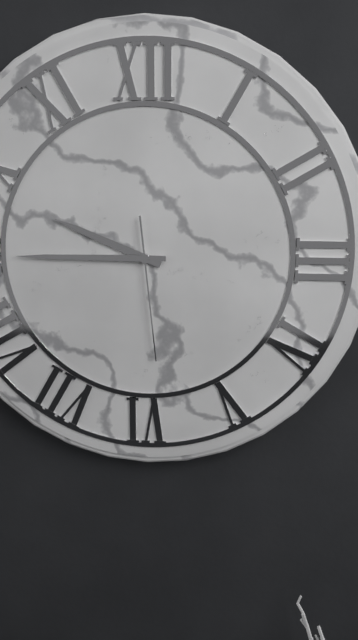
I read 9.45.29
